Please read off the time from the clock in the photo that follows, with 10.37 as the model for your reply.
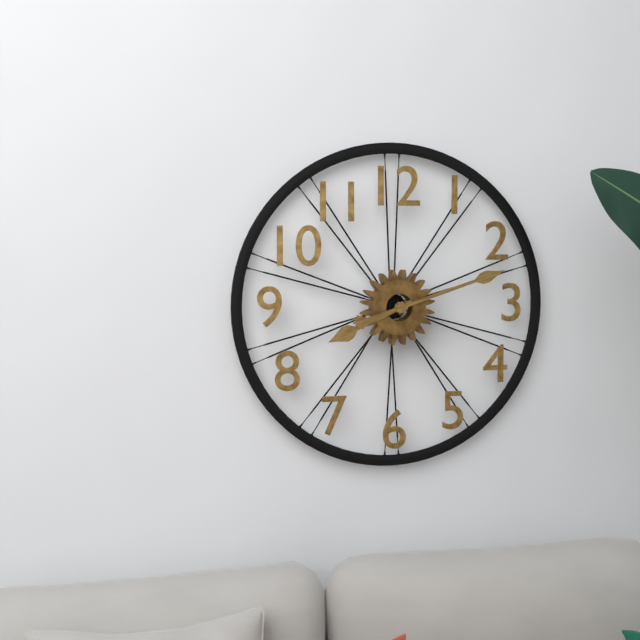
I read 8.12
